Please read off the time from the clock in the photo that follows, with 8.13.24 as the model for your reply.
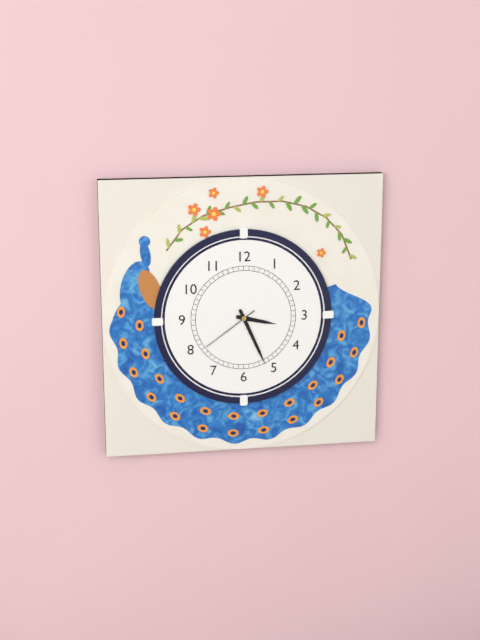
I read 3.26.39
